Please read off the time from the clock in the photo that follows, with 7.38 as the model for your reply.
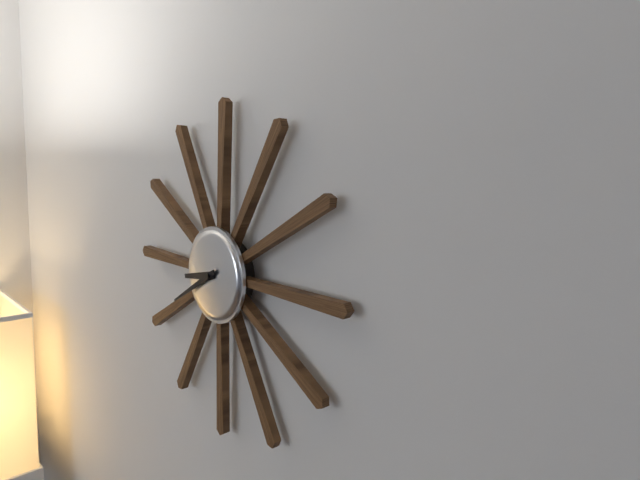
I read 8.40
